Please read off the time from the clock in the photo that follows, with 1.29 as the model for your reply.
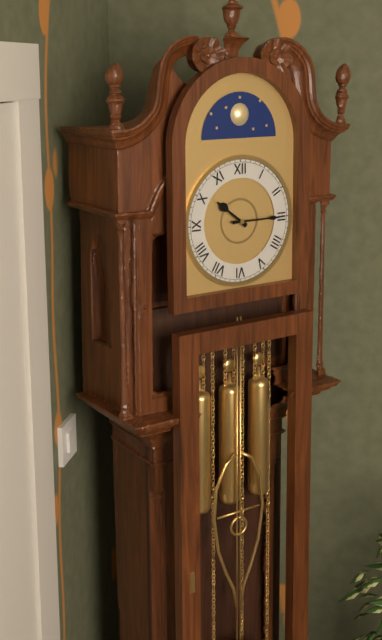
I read 10.15
